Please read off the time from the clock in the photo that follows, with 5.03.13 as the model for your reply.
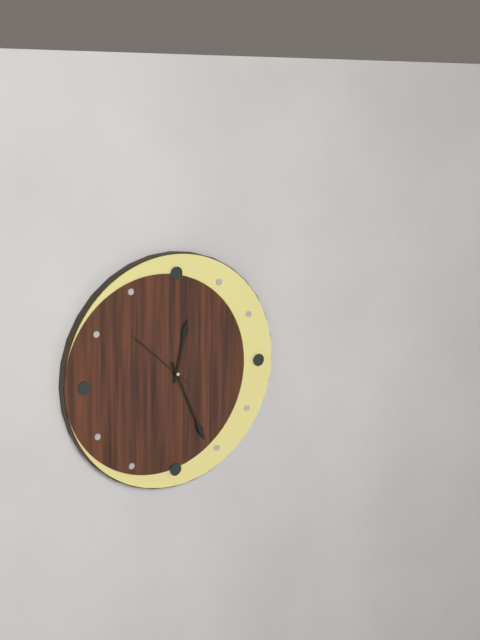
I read 12.26.52
